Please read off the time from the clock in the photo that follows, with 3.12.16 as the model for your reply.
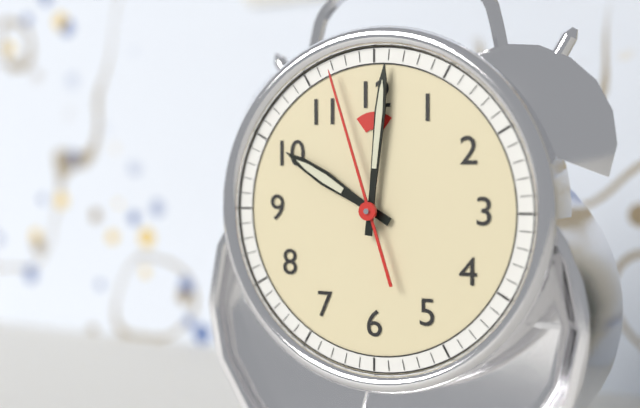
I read 10.01.57
